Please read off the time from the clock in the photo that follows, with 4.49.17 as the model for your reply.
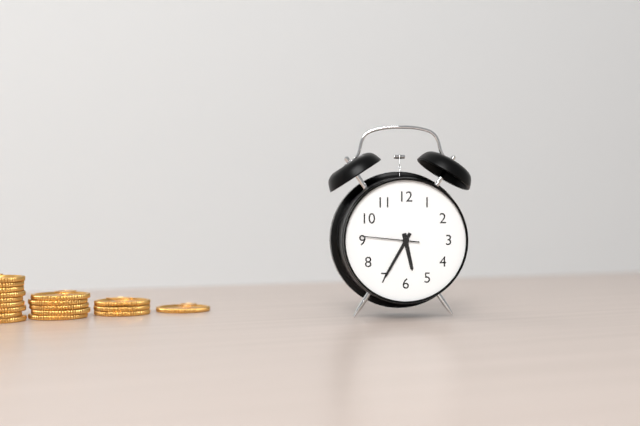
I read 5.35.46
